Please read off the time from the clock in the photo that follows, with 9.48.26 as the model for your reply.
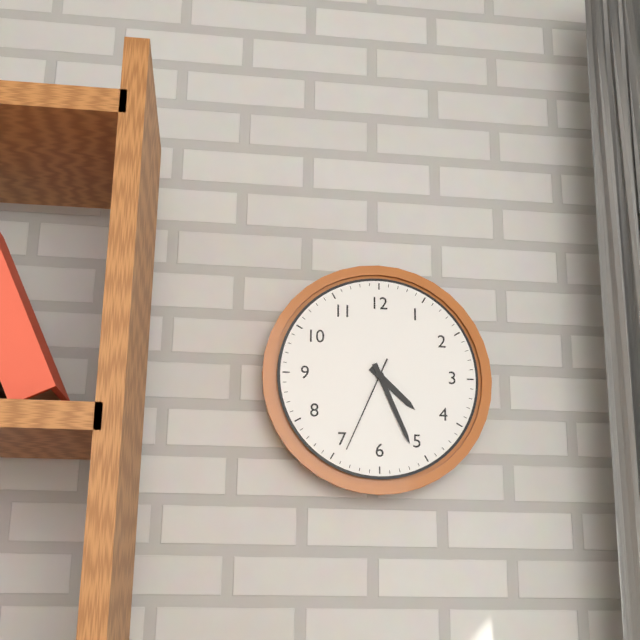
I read 4.26.34
